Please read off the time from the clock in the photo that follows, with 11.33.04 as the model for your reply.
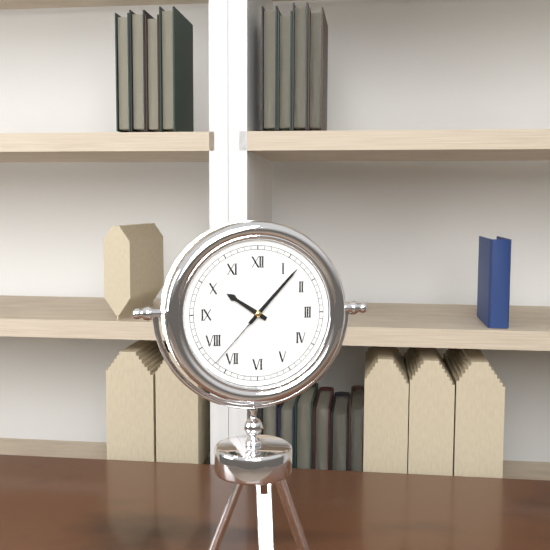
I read 10.07.37
